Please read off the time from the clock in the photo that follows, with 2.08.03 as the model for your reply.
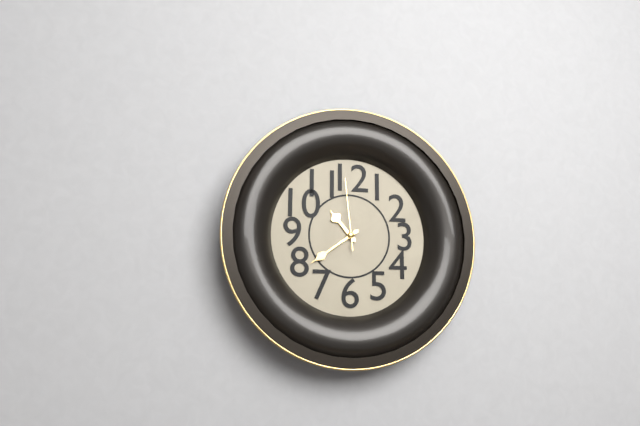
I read 10.39.59
